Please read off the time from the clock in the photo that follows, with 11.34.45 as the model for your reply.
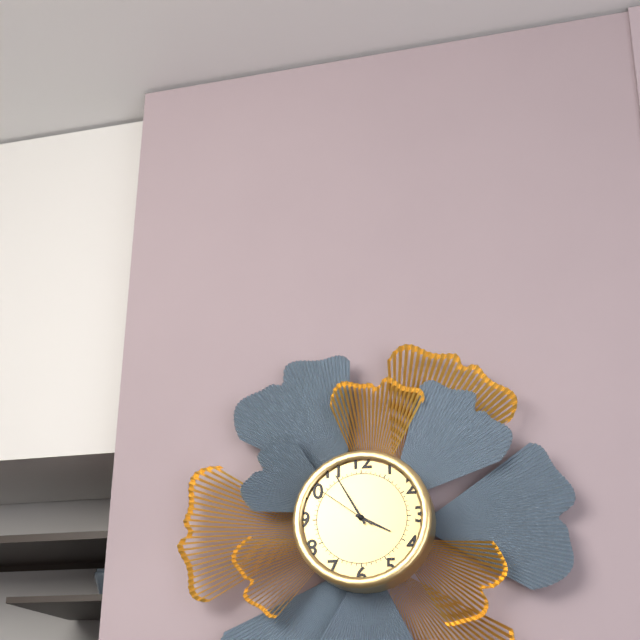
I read 3.55.51
